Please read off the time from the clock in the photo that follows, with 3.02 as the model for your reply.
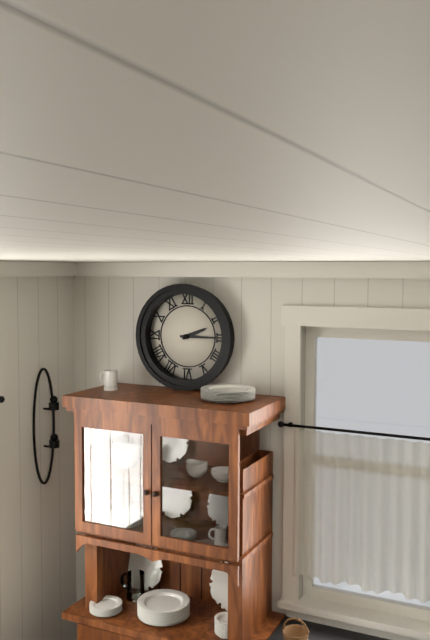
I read 2.15
